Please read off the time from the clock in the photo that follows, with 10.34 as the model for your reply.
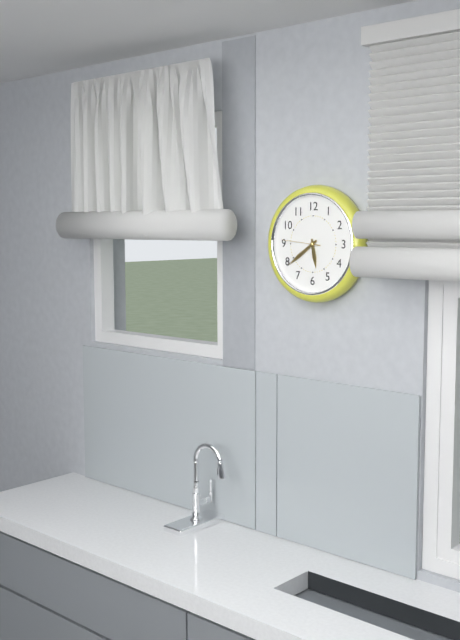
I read 5.39
